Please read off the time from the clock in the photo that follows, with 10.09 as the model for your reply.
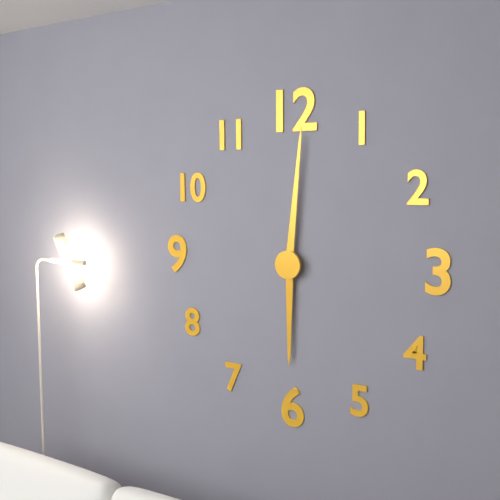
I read 6.01
